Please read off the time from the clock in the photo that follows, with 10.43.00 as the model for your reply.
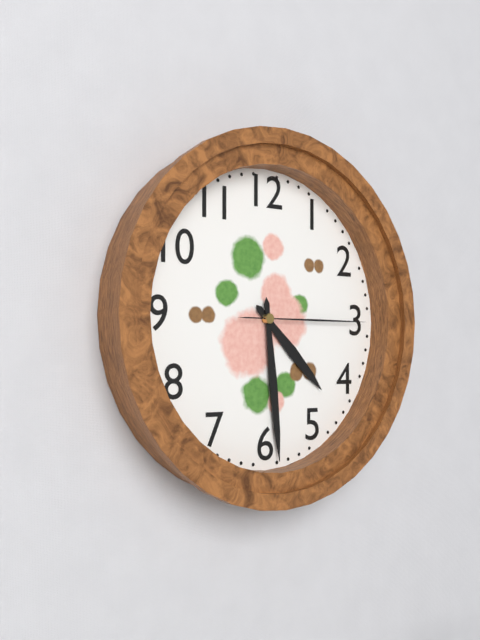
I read 4.29.15
